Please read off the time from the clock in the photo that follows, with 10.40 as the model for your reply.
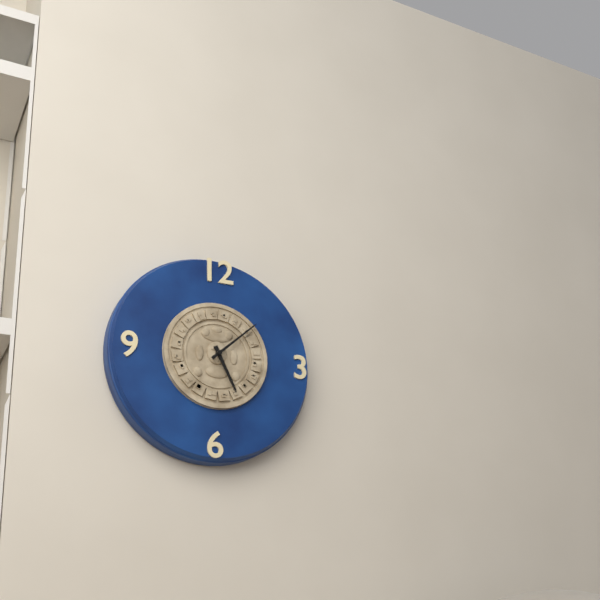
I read 5.08
